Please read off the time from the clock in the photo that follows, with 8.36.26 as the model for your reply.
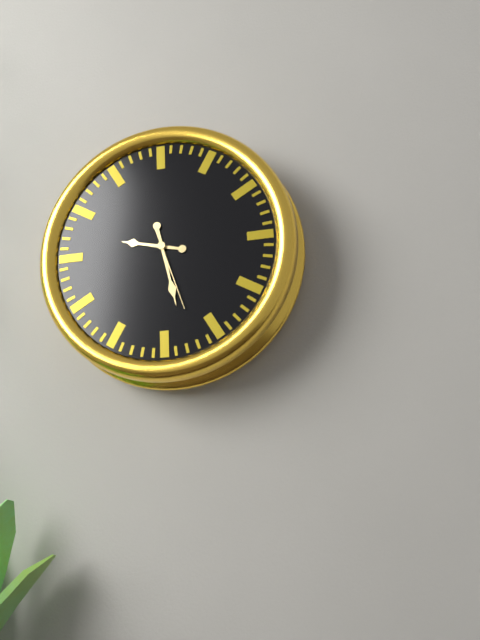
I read 9.28.27
